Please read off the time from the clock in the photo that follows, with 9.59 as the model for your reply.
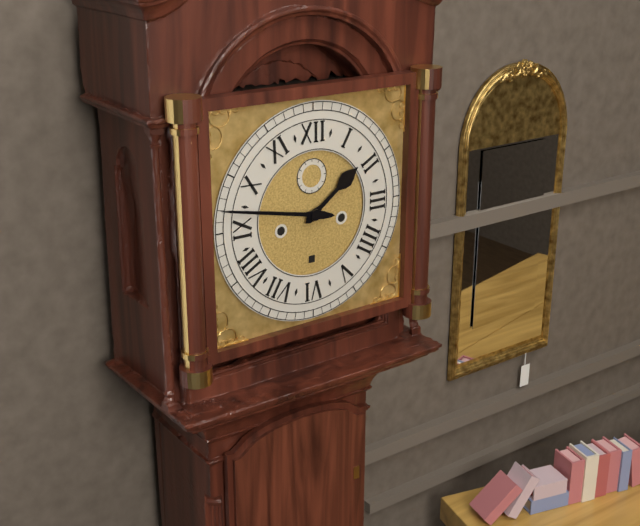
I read 1.47
